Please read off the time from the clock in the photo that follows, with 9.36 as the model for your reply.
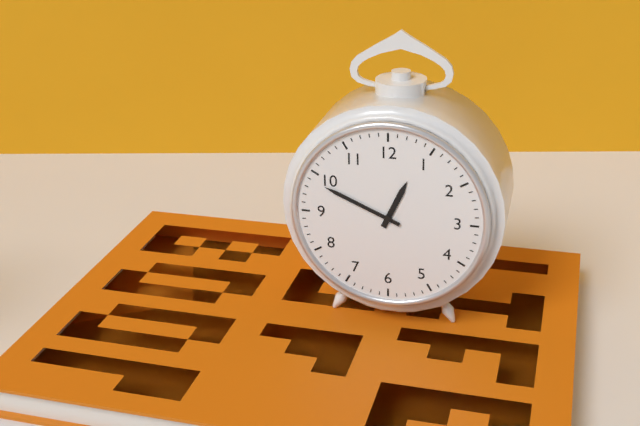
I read 12.49
